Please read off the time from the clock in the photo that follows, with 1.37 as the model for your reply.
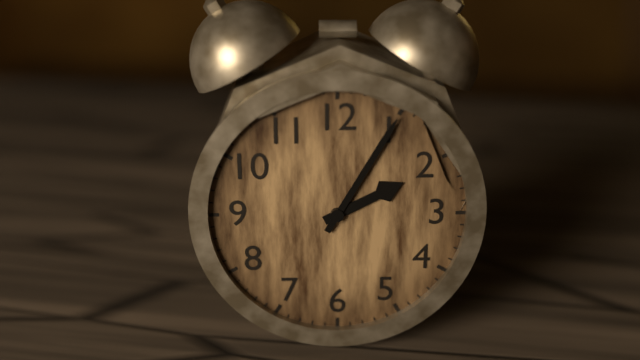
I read 2.05
